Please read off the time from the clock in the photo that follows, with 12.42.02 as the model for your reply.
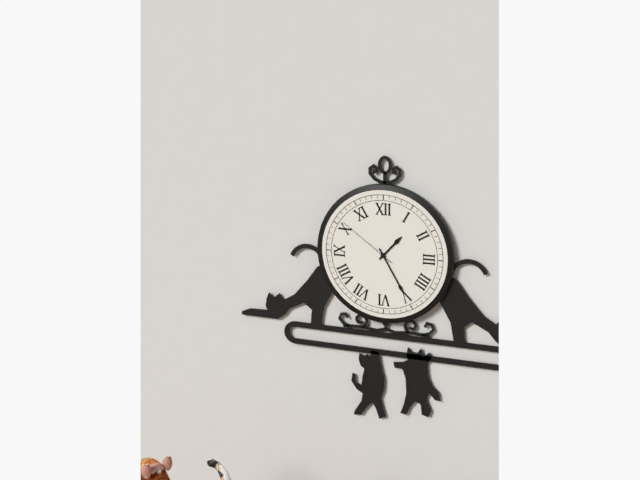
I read 1.25.51
